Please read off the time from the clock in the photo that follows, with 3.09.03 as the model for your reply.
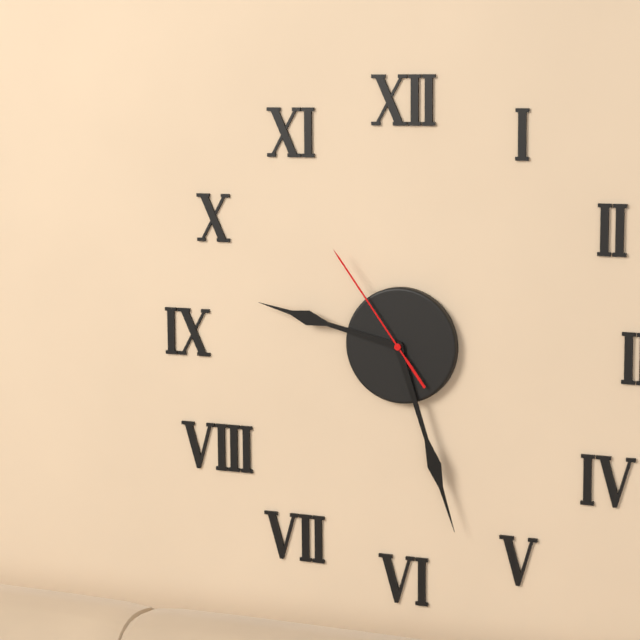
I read 9.27.54
